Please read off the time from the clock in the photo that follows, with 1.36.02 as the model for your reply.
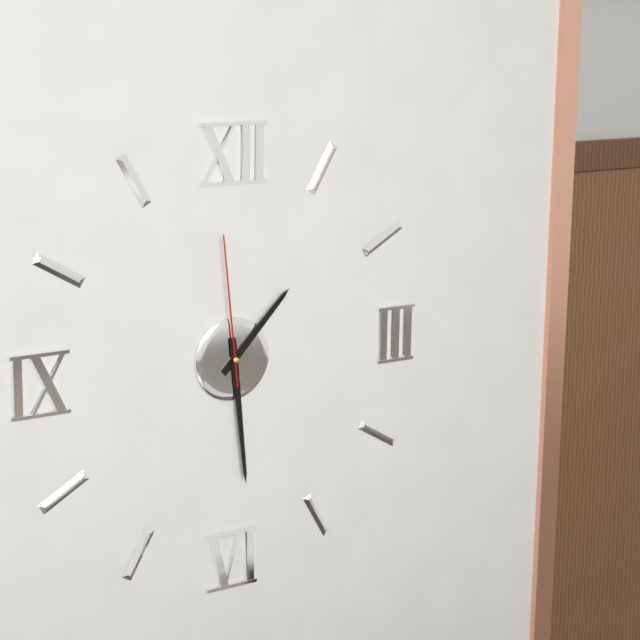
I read 1.29.59
